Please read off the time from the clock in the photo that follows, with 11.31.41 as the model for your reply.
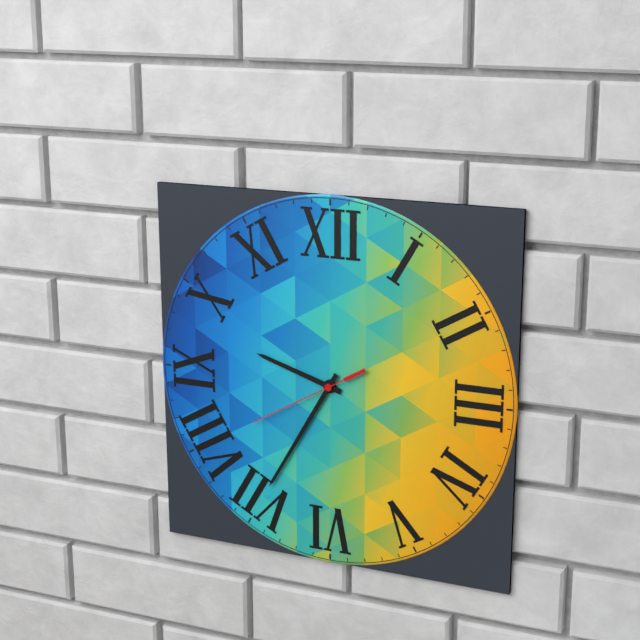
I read 9.35.40
